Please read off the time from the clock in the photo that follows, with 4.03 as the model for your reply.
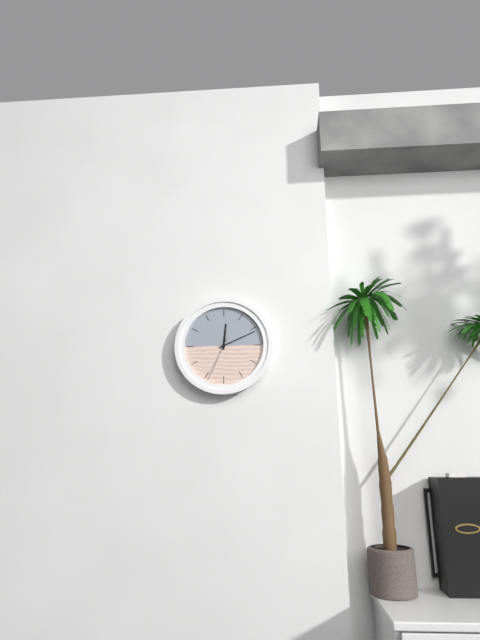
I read 12.11
